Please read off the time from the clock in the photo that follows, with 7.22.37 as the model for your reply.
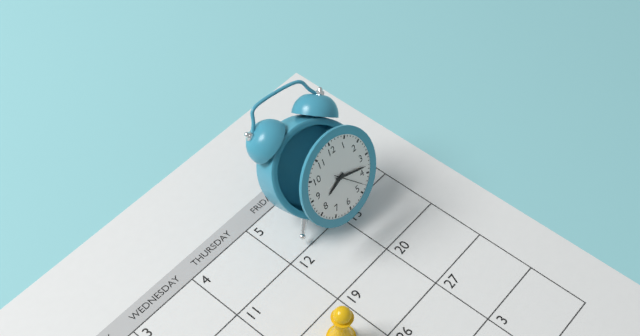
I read 8.18.23
